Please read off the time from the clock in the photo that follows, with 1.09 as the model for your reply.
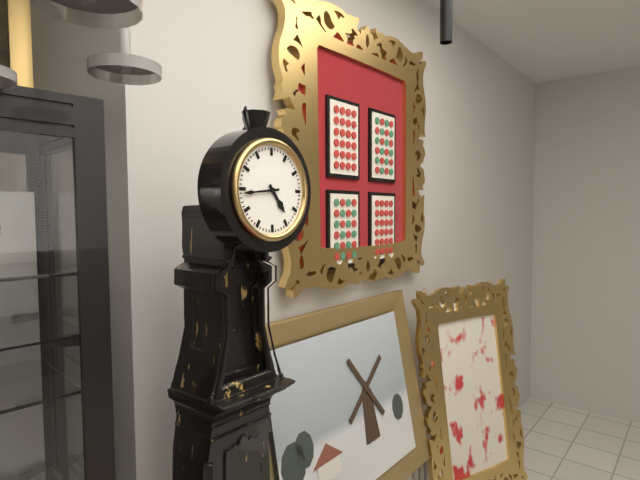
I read 4.44
